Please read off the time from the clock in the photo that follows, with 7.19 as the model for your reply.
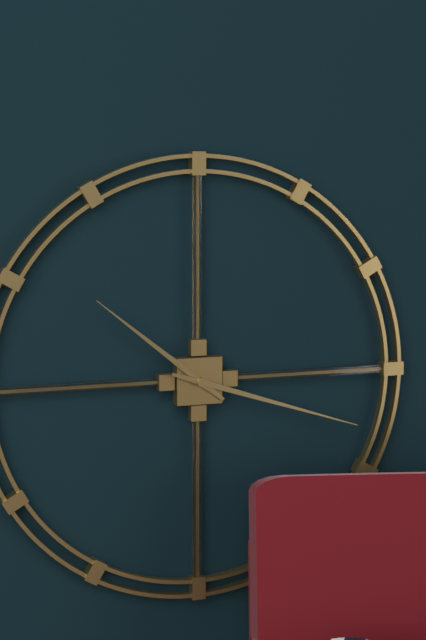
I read 10.18
